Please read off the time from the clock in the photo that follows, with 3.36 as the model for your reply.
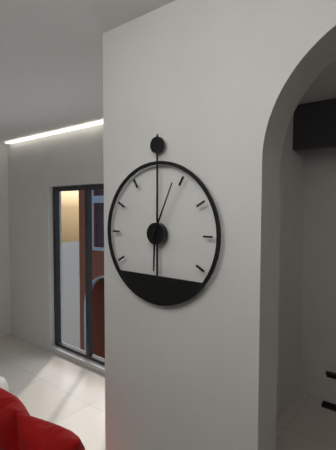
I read 6.04
